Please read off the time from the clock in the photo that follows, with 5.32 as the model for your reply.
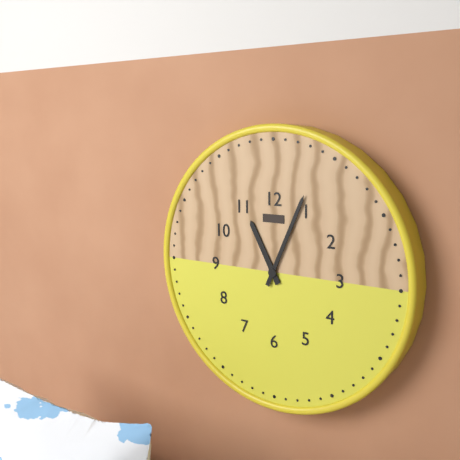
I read 11.04
